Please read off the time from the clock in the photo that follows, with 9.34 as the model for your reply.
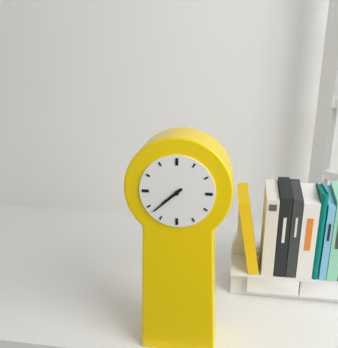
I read 7.38
